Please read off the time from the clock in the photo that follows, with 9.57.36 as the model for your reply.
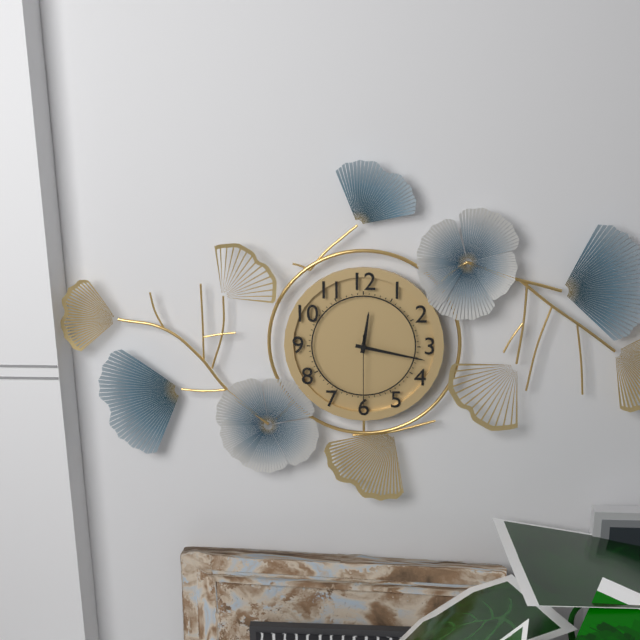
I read 12.17.30
